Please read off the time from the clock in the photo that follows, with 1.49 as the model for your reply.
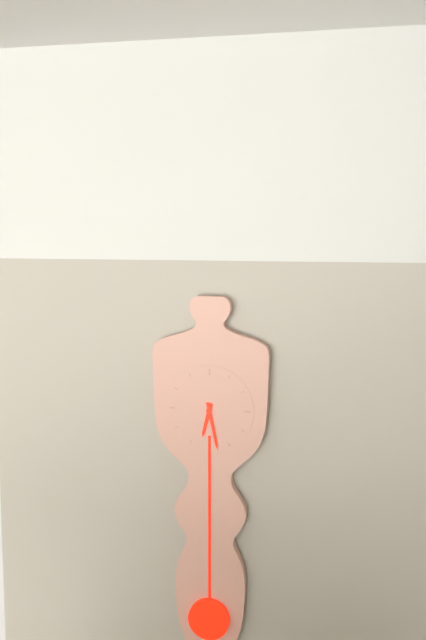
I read 6.28
